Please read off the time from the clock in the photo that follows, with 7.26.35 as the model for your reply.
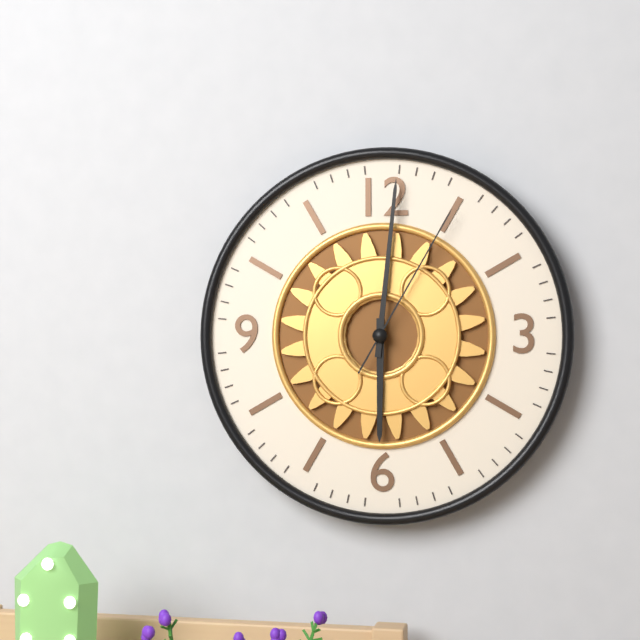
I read 6.01.05
